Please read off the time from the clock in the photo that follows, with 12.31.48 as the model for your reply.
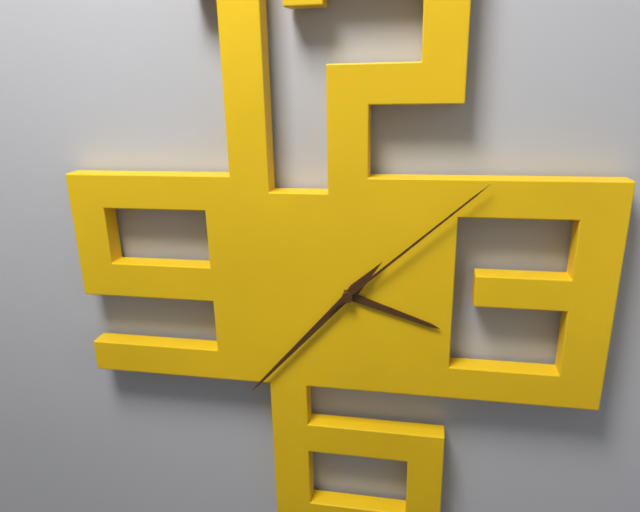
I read 3.37.08
